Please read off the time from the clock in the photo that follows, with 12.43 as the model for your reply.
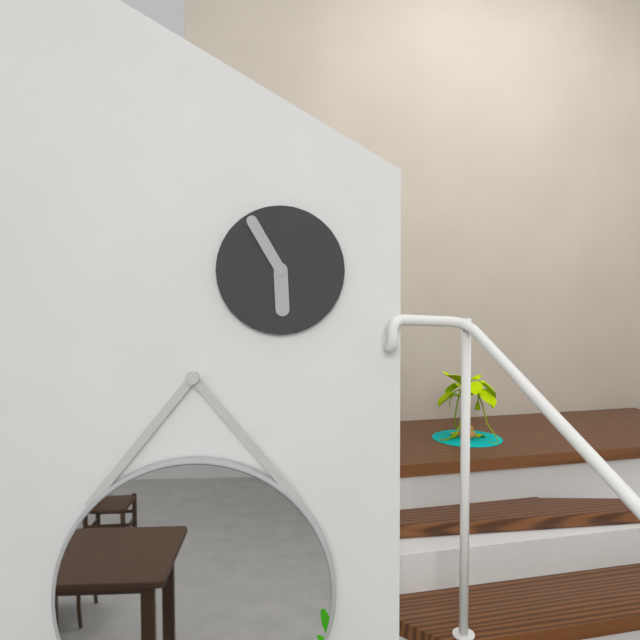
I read 5.55
